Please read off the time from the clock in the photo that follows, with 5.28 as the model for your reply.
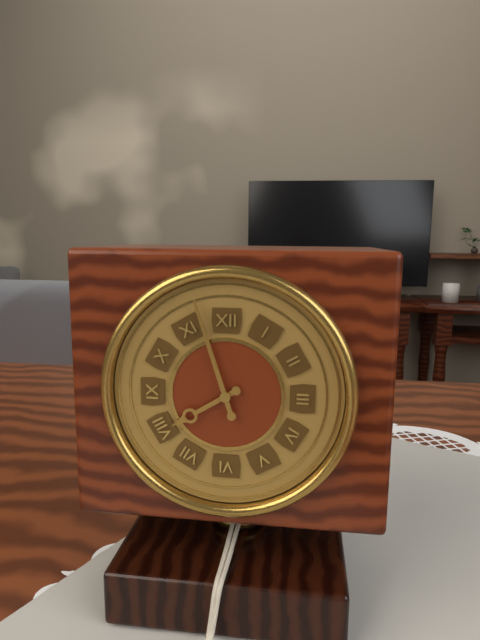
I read 7.57
